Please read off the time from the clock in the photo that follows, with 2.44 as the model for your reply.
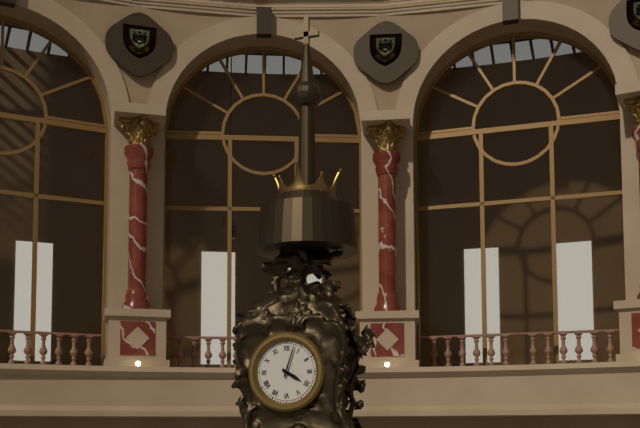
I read 4.03
